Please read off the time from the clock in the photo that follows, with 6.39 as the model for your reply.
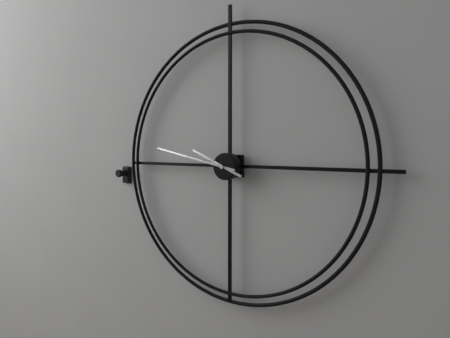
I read 9.47
